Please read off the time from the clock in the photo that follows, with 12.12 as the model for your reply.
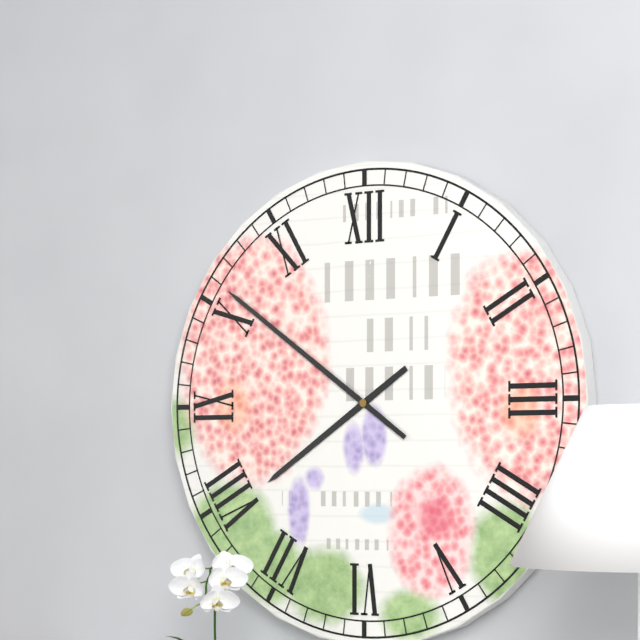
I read 7.51
